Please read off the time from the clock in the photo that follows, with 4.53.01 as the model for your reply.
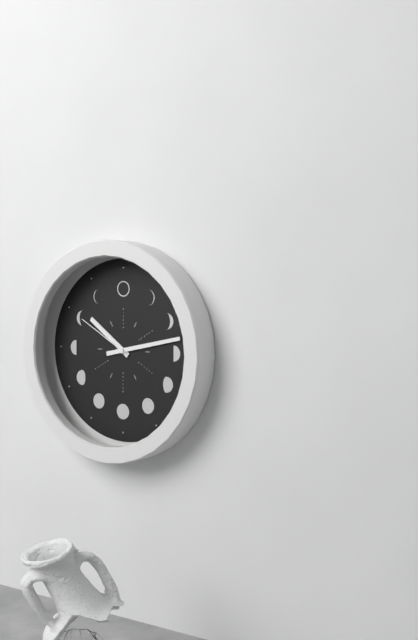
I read 10.13.50
